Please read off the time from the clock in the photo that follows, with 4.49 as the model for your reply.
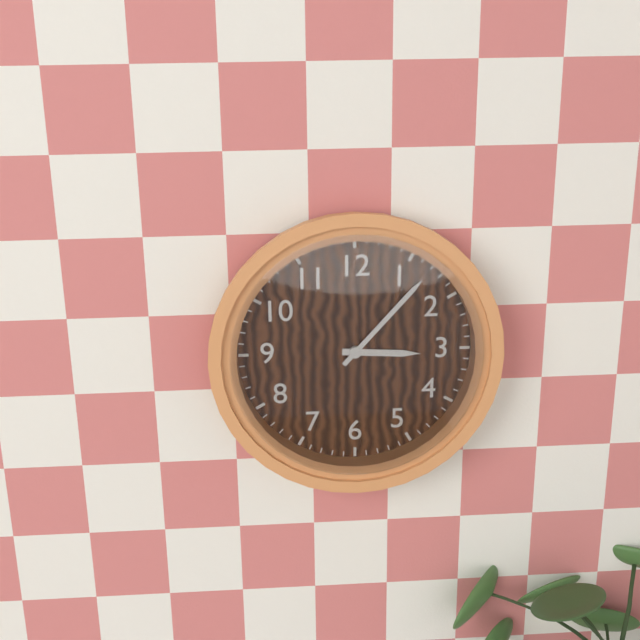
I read 3.07
